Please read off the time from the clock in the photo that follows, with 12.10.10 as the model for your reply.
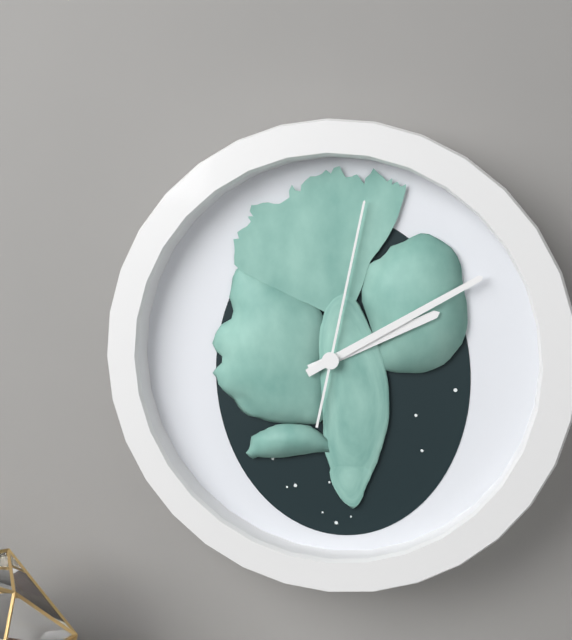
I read 2.10.02
